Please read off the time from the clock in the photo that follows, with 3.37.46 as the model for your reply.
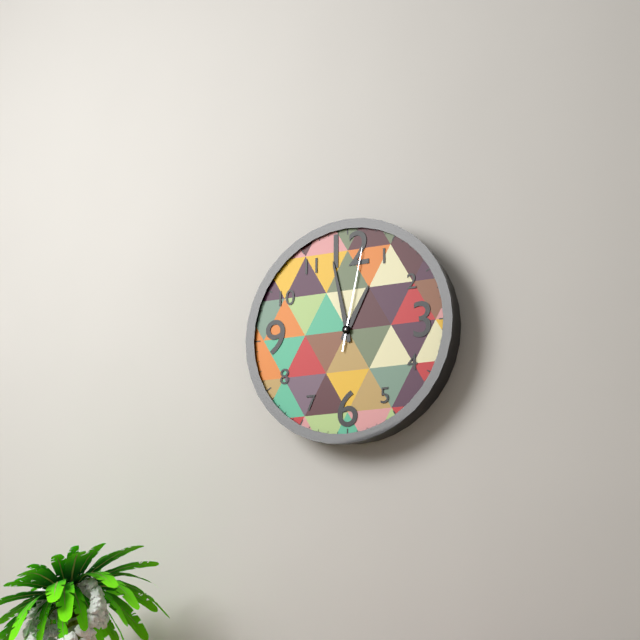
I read 12.58.02
